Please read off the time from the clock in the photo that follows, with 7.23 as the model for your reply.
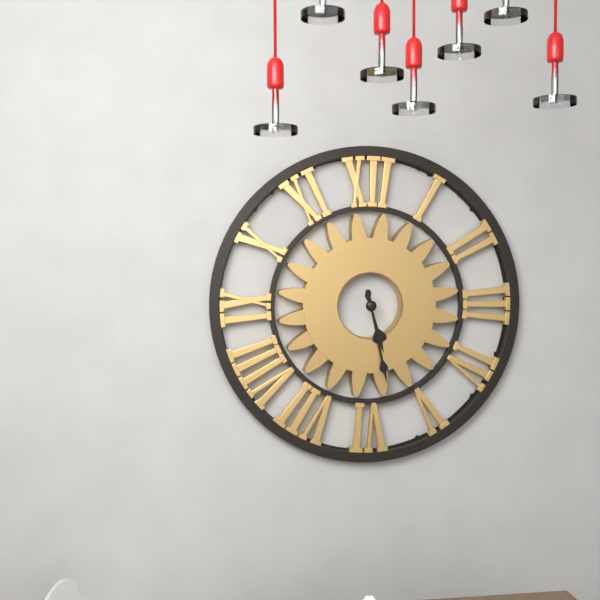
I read 5.28
